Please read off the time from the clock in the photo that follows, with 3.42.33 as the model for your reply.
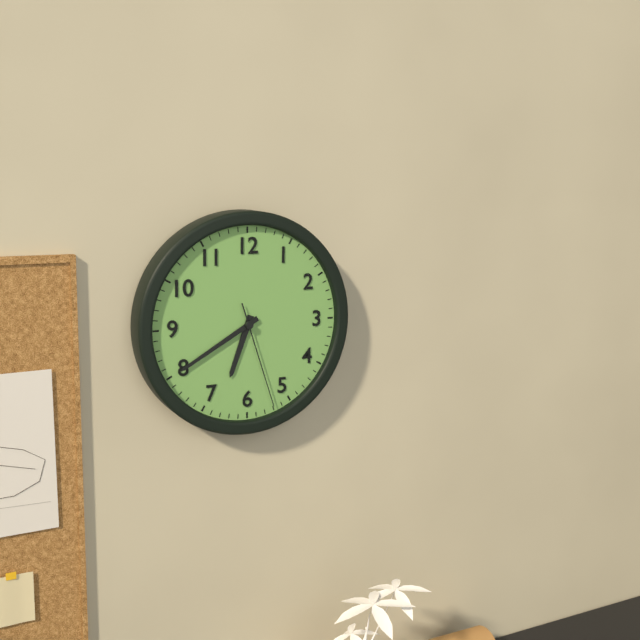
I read 6.40.27
